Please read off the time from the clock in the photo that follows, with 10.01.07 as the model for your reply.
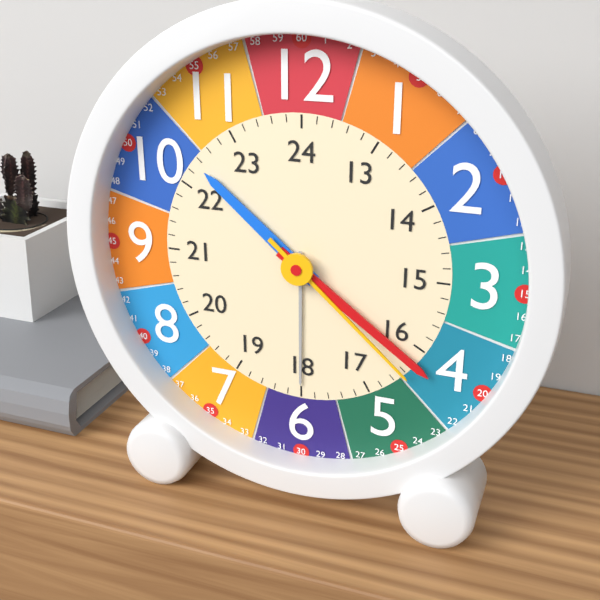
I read 10.21.22
